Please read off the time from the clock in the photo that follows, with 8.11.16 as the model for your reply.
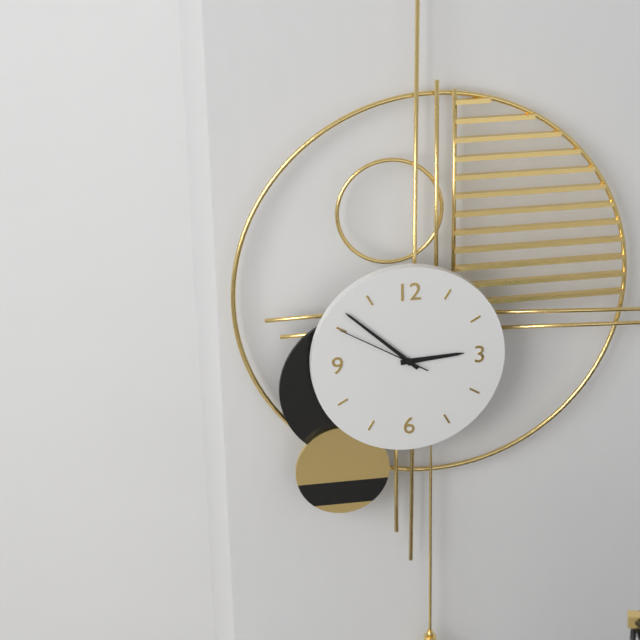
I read 2.52.50
